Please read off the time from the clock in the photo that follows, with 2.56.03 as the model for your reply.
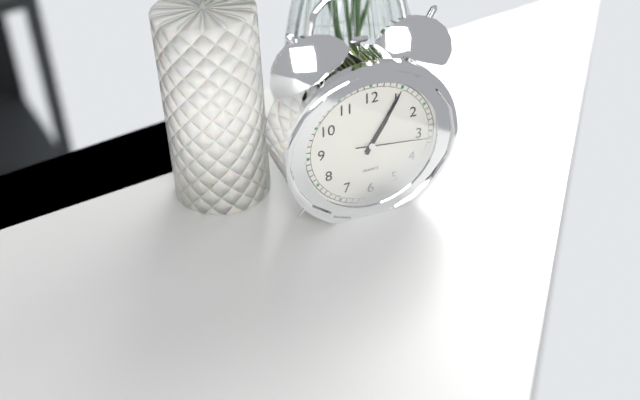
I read 1.05.16
